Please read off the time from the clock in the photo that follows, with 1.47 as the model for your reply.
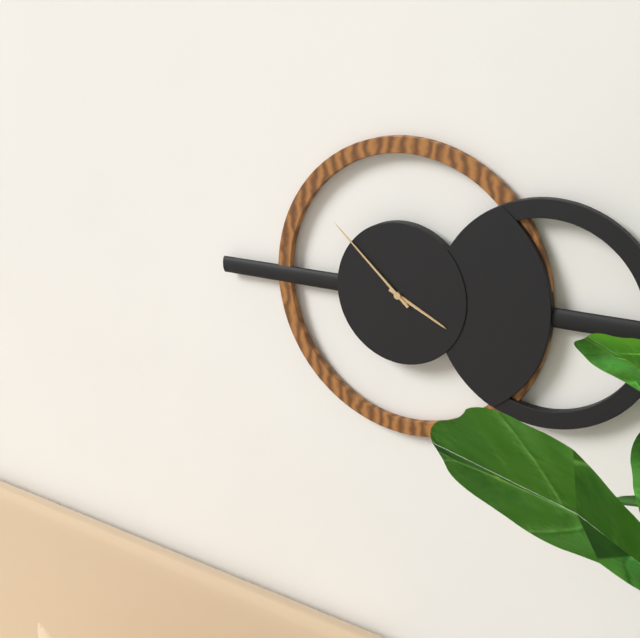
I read 3.52
